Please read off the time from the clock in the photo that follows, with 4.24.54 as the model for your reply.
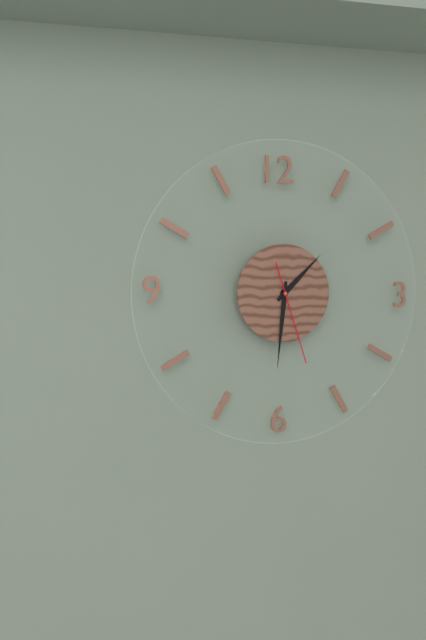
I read 1.31.27
